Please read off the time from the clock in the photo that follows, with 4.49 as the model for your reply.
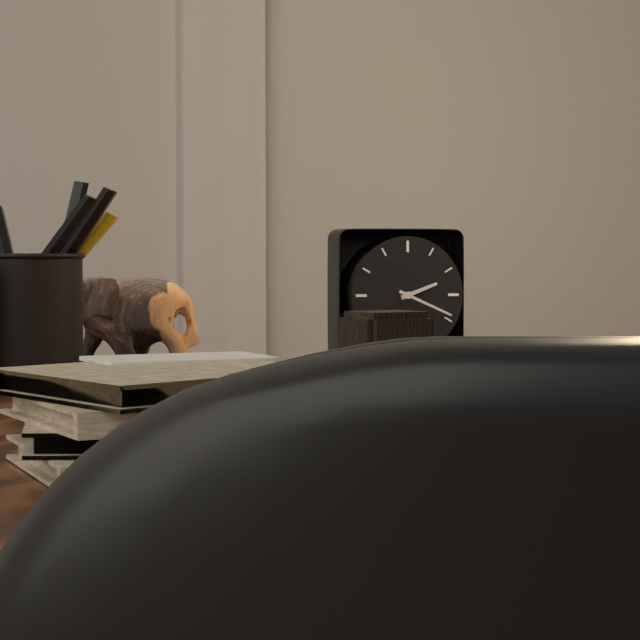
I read 2.19
